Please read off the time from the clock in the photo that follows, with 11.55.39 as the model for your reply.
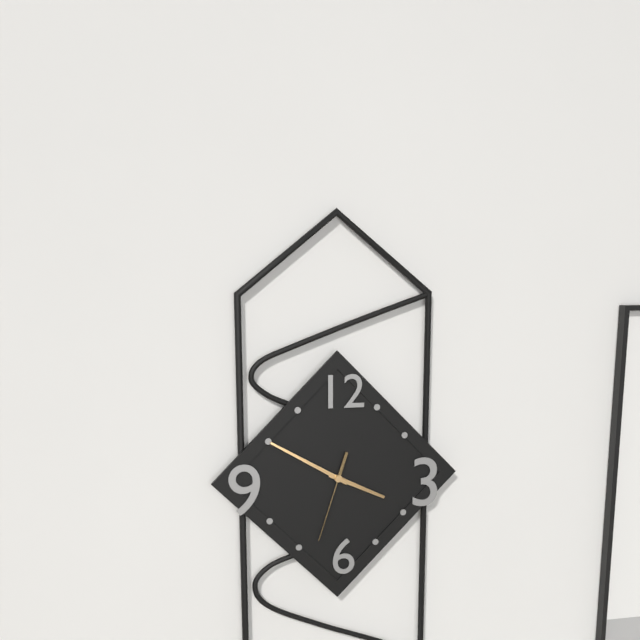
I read 3.50.33
